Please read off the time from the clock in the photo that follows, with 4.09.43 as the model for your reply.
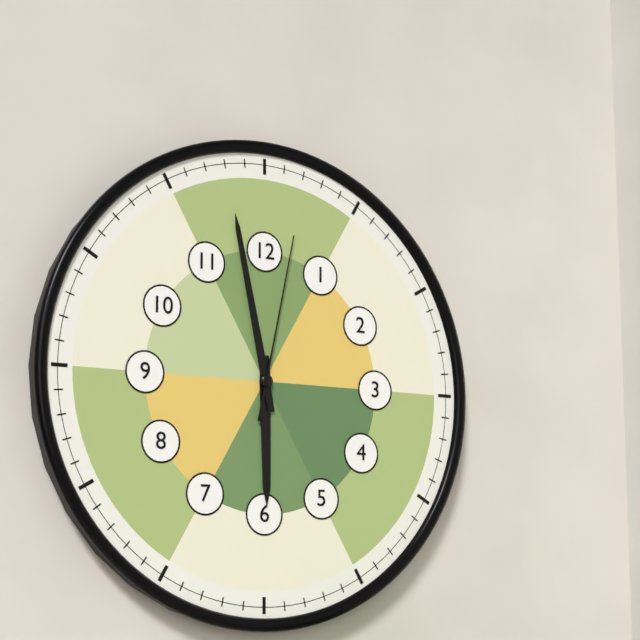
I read 5.58.02
